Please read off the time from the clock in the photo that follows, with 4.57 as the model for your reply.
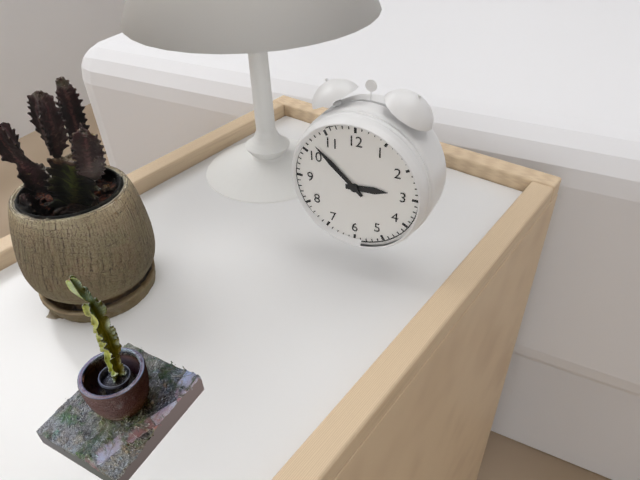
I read 2.52
